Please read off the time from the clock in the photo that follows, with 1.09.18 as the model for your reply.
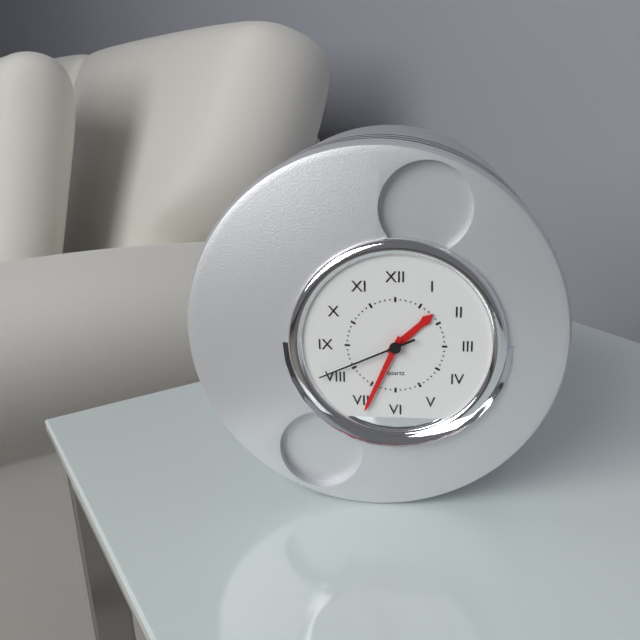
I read 1.34.41
